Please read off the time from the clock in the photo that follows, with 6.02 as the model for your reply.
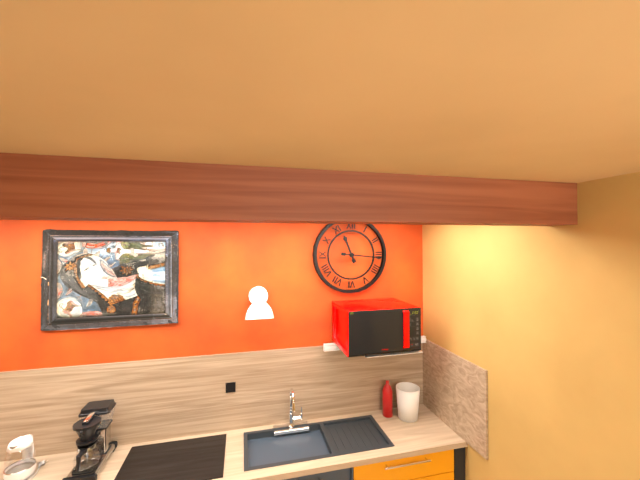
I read 11.16
